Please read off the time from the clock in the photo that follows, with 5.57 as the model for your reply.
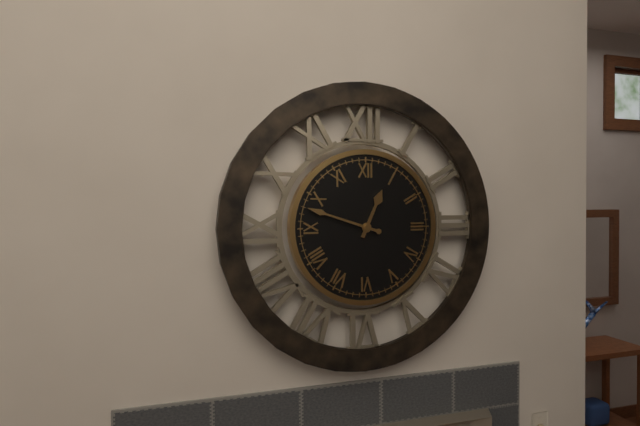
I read 12.48
